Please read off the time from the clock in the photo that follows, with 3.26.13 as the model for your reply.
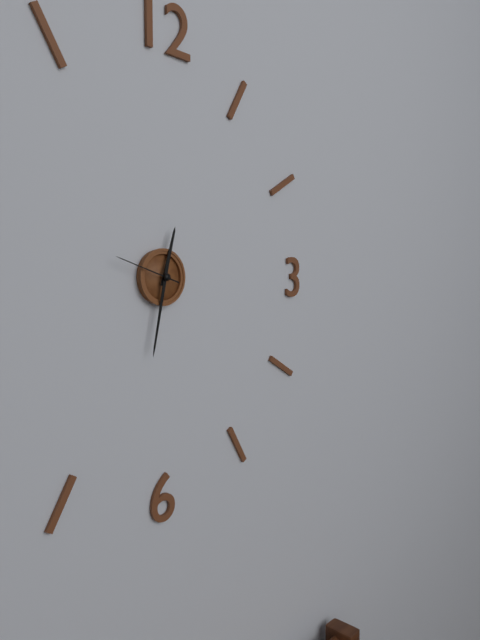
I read 12.32.48
